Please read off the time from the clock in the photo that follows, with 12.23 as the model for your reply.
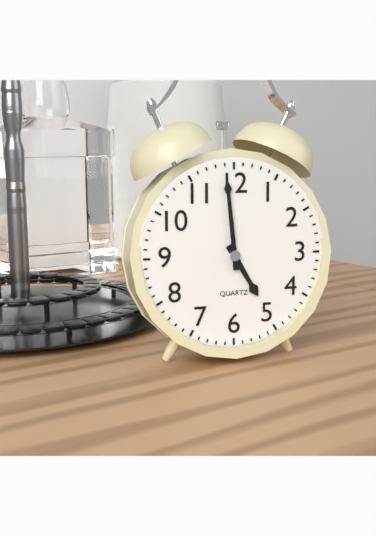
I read 4.59
